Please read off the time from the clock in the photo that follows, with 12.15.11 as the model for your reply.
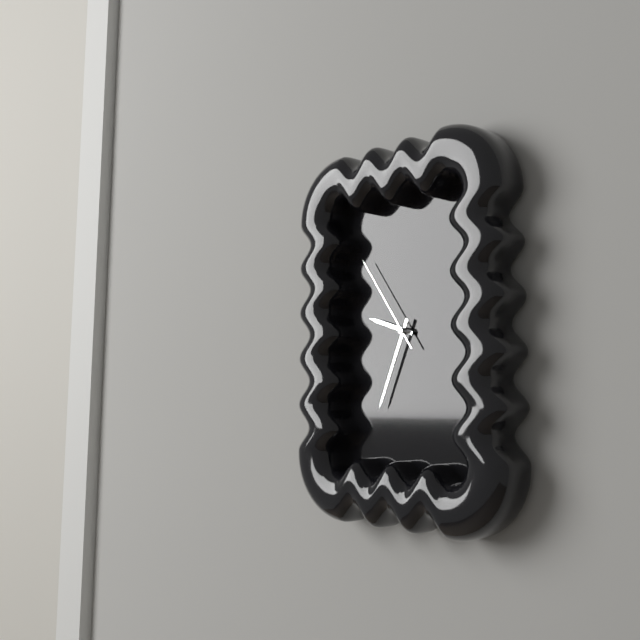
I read 9.34.54
